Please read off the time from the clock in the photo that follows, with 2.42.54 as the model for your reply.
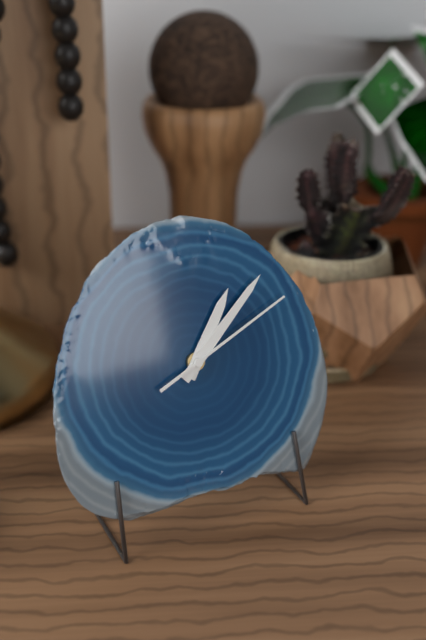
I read 1.08.11
